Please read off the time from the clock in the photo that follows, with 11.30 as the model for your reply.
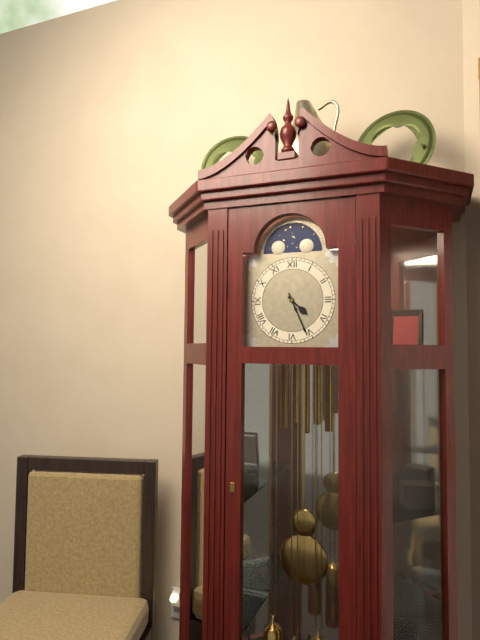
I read 4.26
